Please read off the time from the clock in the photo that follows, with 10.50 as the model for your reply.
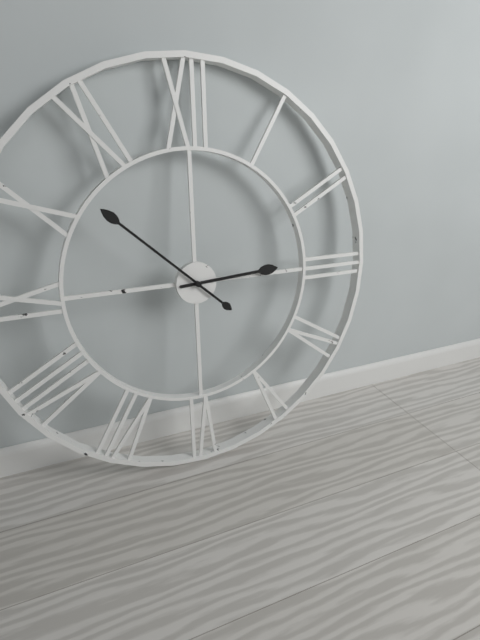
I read 2.52
